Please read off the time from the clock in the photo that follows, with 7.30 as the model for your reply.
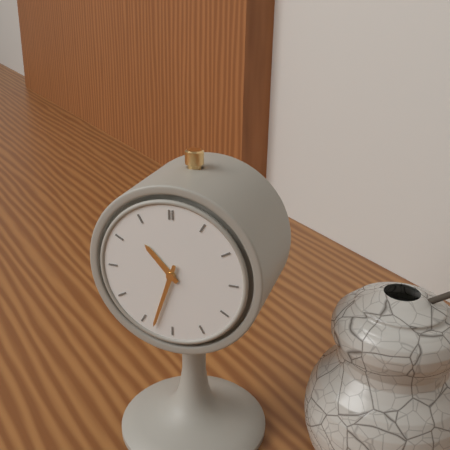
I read 10.33
